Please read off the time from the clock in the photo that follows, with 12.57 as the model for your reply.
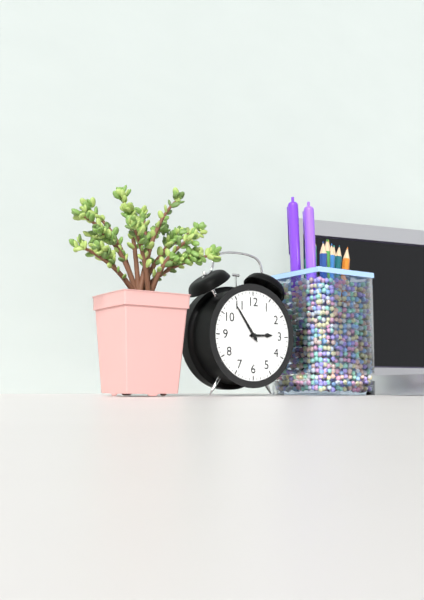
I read 2.54
